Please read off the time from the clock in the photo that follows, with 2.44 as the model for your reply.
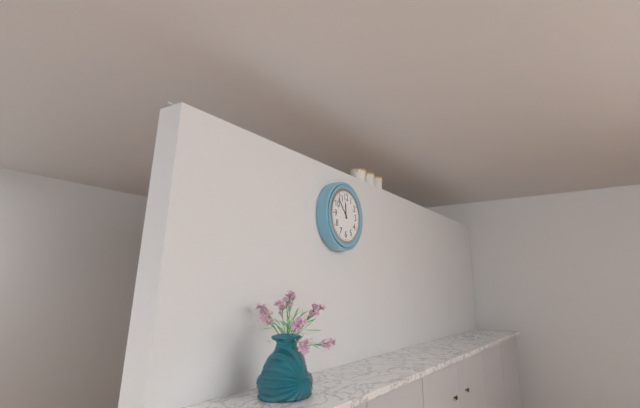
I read 11.53
